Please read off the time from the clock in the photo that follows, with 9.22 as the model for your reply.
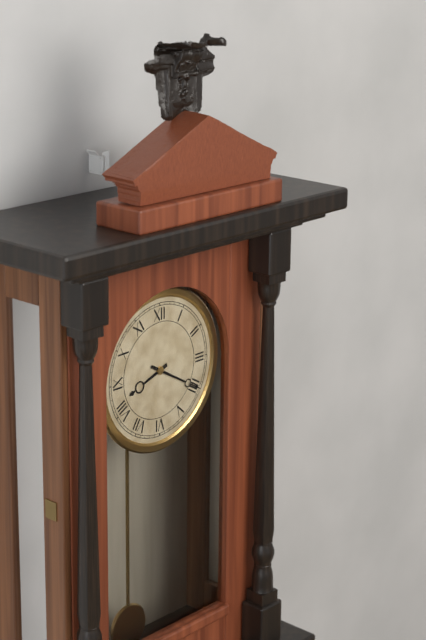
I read 8.20
